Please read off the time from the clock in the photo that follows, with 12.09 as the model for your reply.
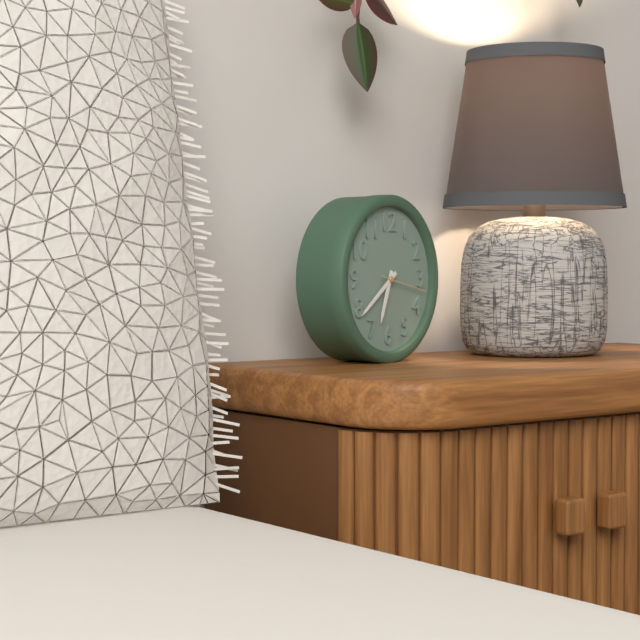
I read 6.39
